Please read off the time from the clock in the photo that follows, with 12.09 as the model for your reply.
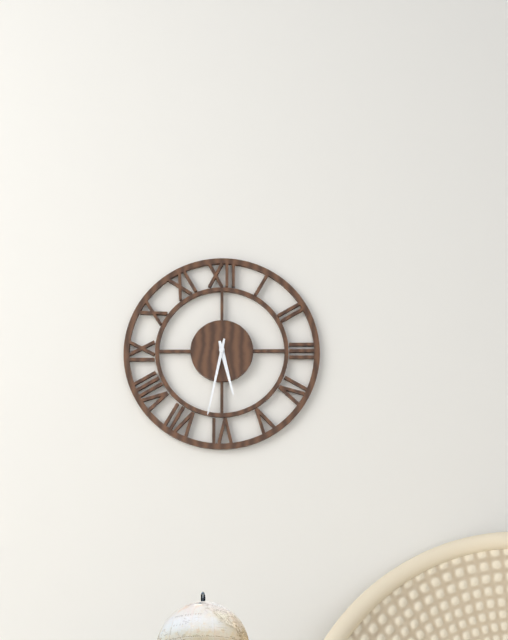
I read 5.32
